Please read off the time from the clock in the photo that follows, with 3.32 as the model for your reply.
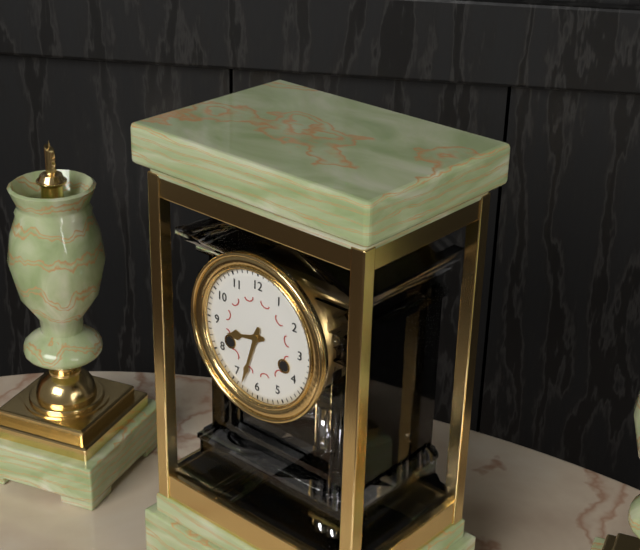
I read 8.33
